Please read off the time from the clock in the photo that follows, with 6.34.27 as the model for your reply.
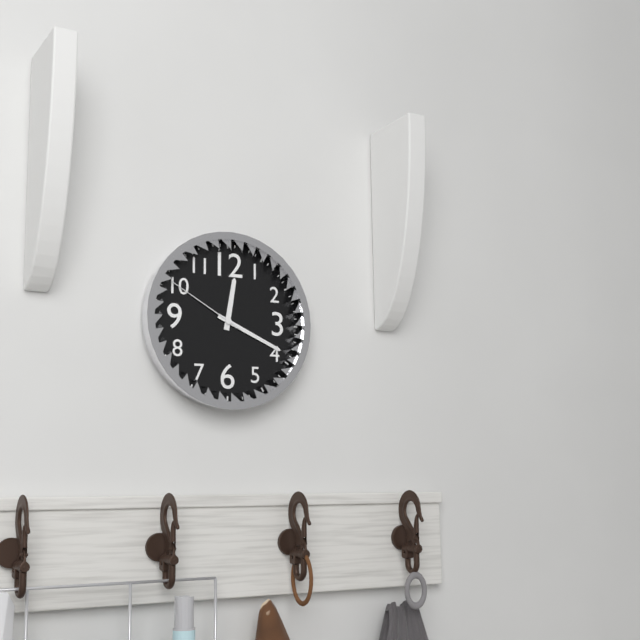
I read 12.19.50
